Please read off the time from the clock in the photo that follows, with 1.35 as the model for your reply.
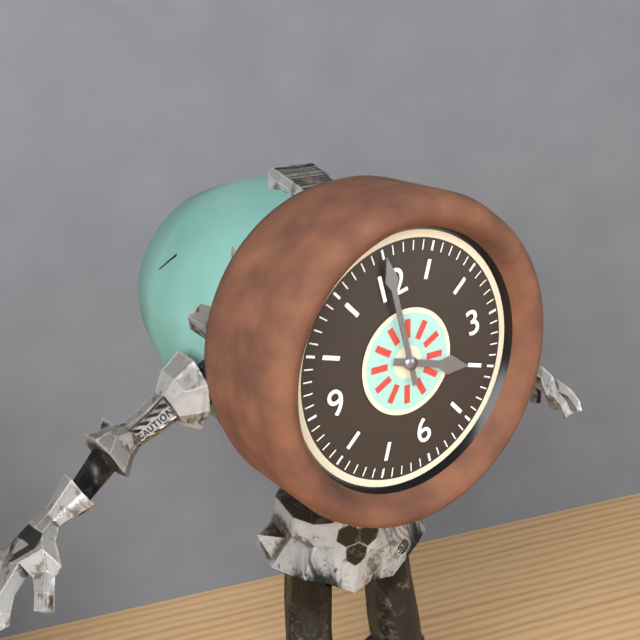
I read 4.00
